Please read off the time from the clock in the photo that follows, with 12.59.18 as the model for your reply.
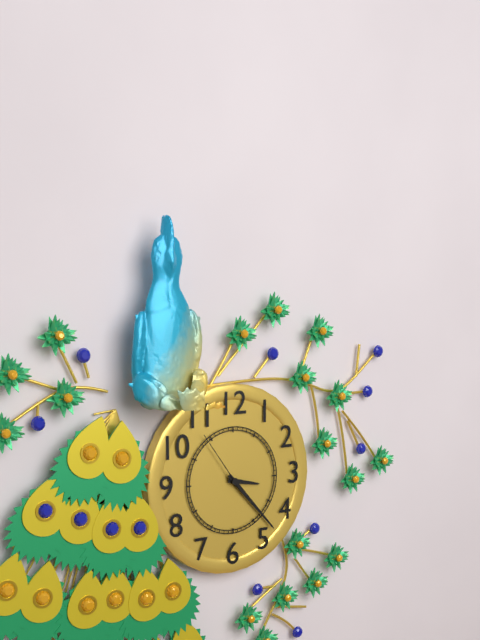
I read 3.23.54
